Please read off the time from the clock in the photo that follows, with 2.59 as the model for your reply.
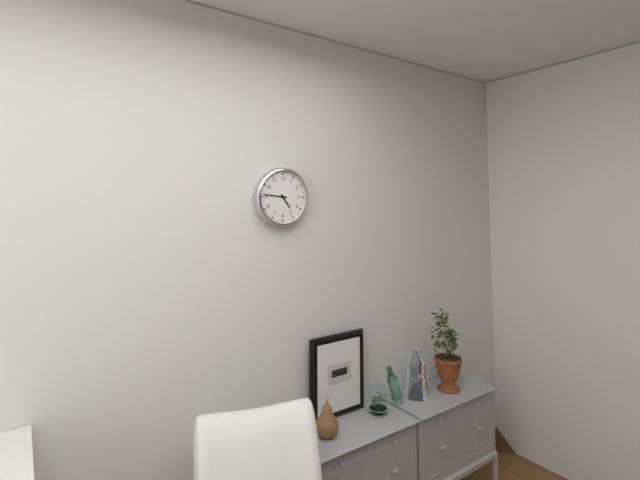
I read 4.46
